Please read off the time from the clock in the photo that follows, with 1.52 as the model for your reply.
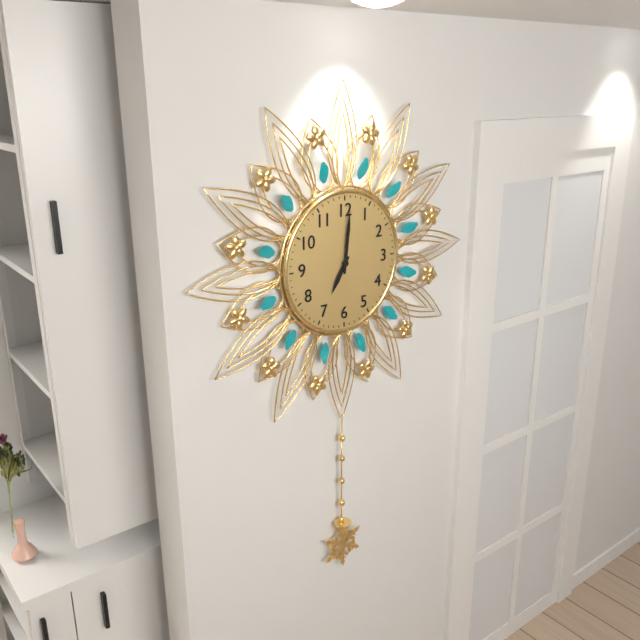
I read 7.01
